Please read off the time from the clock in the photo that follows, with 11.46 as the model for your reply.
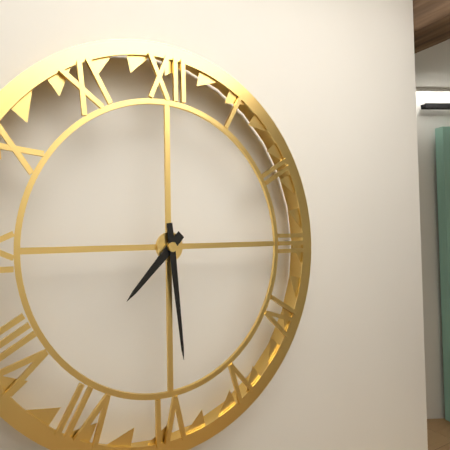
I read 7.29
